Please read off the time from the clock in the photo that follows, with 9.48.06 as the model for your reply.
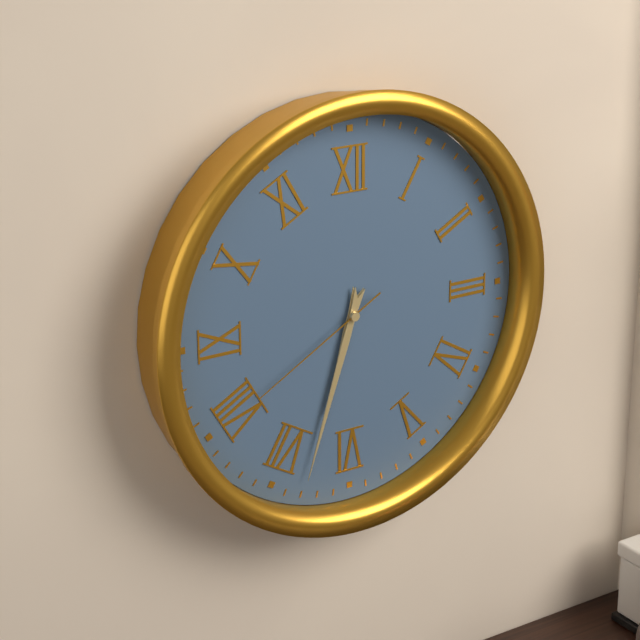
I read 6.33.40
